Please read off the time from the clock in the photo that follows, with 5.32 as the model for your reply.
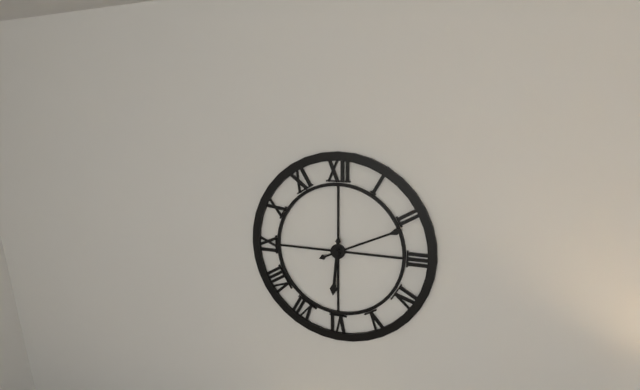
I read 6.11
